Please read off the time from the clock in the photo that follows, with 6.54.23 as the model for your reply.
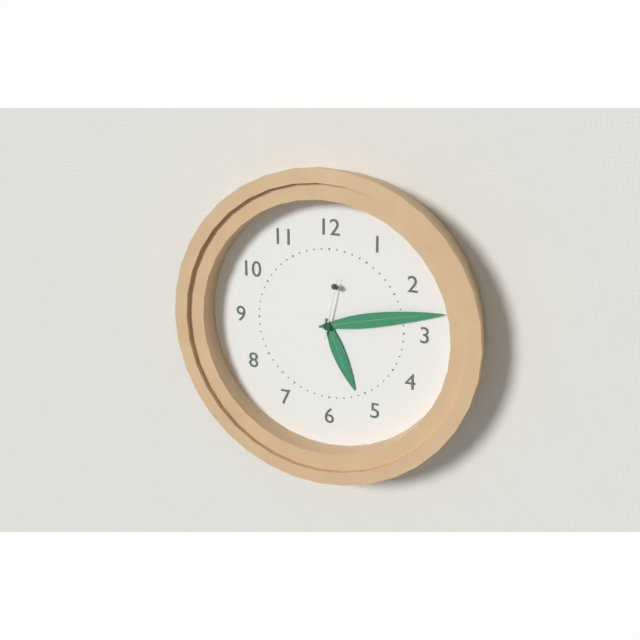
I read 5.13.02
